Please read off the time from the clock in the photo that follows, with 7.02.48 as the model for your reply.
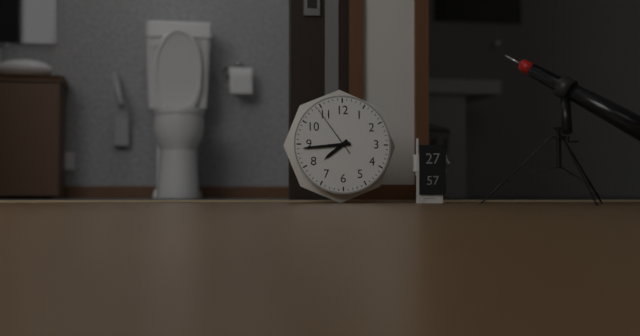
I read 7.44.54
